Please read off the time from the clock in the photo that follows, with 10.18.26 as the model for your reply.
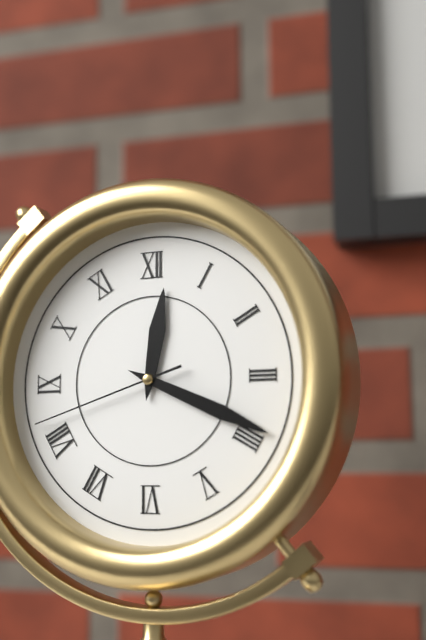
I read 12.19.42
